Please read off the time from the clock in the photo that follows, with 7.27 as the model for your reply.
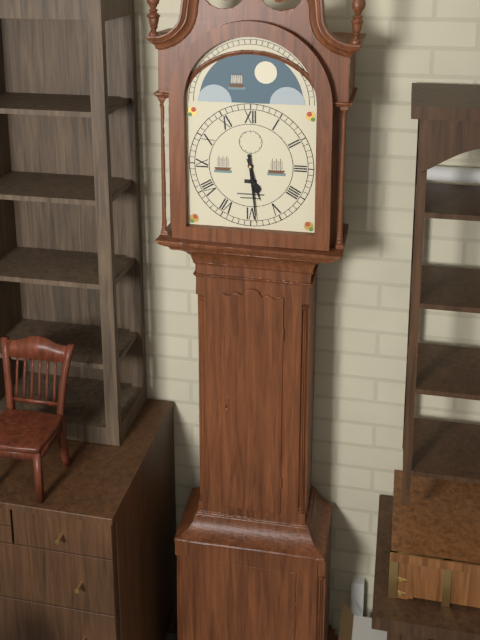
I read 5.29
